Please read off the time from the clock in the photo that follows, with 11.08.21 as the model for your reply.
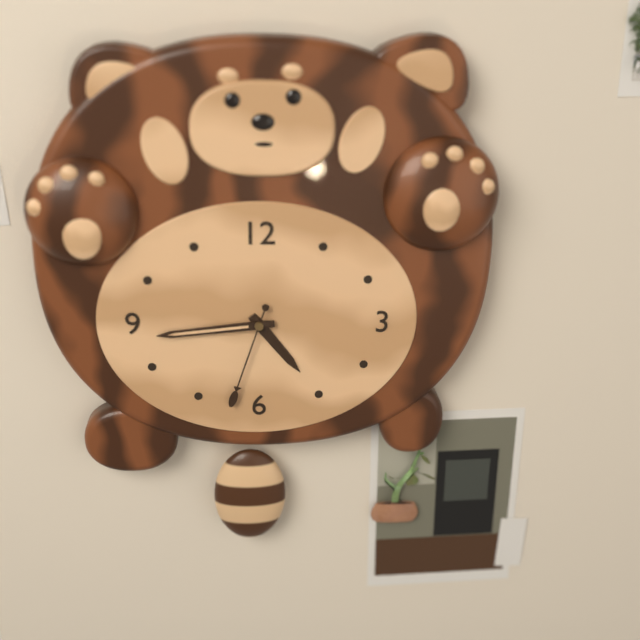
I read 4.44.33
